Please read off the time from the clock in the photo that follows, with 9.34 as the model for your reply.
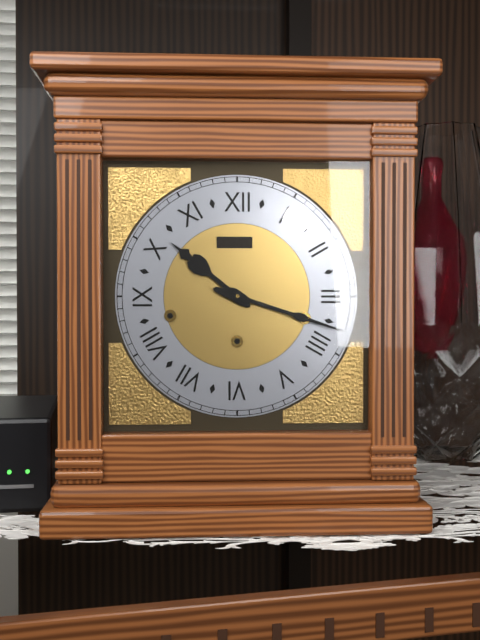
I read 10.18
